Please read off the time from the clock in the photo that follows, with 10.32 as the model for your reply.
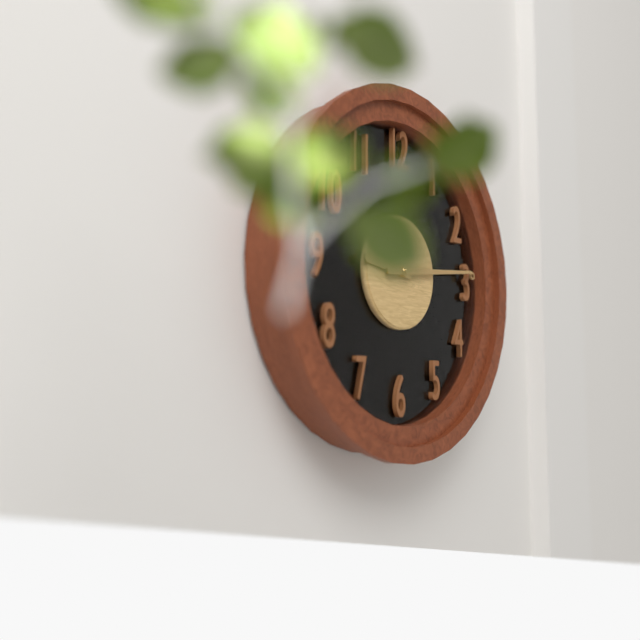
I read 9.14
